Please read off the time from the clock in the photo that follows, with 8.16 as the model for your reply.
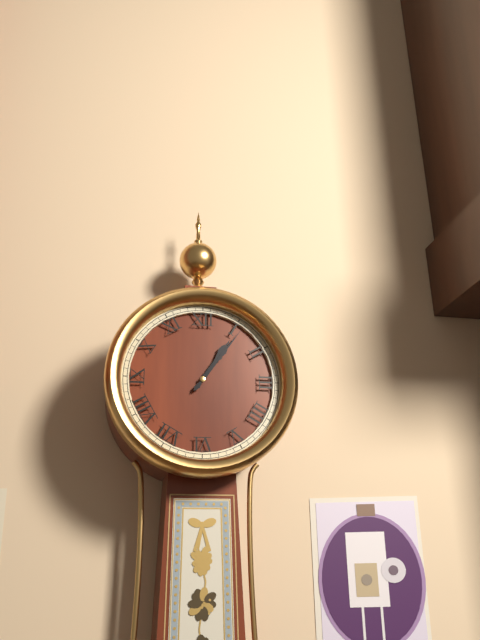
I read 1.06
